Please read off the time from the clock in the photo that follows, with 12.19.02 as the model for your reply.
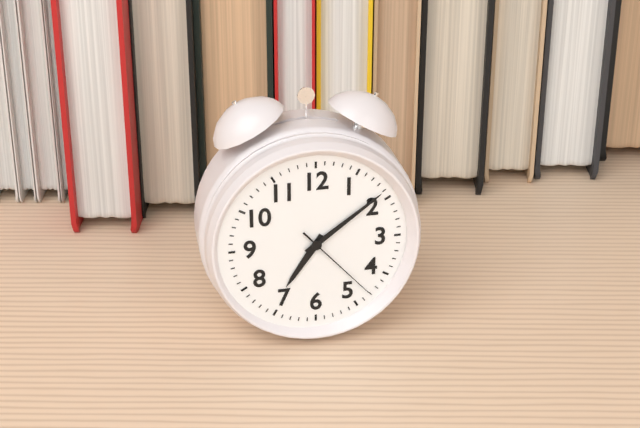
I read 7.09.23
